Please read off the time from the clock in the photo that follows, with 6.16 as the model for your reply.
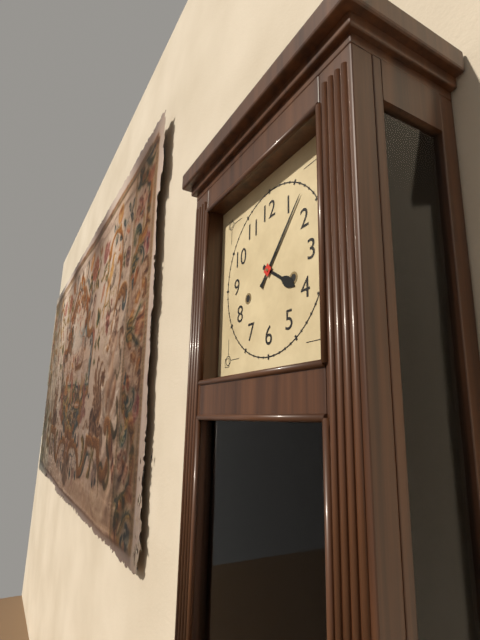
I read 4.07
